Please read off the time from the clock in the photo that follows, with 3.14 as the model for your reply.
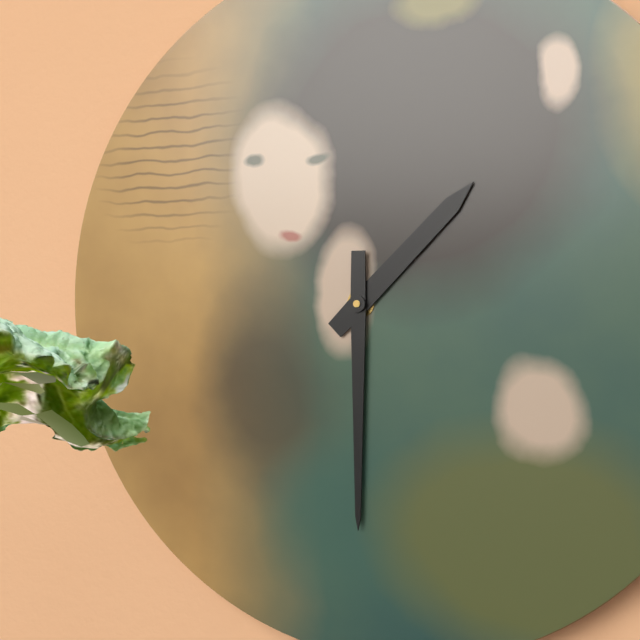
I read 1.30
